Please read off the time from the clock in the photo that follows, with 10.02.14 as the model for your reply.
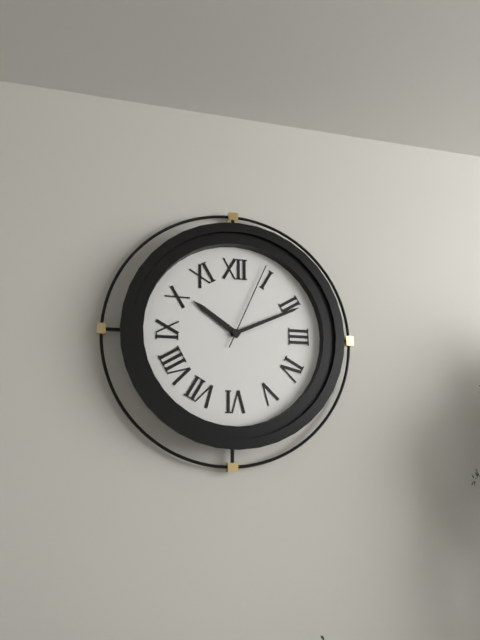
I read 10.11.04
